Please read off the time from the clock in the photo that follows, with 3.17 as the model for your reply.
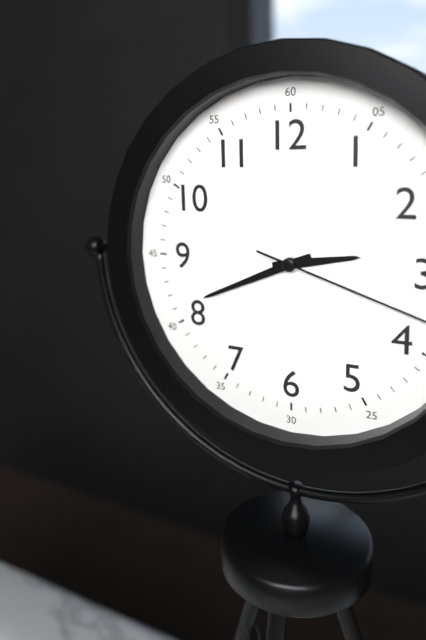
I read 2.41
